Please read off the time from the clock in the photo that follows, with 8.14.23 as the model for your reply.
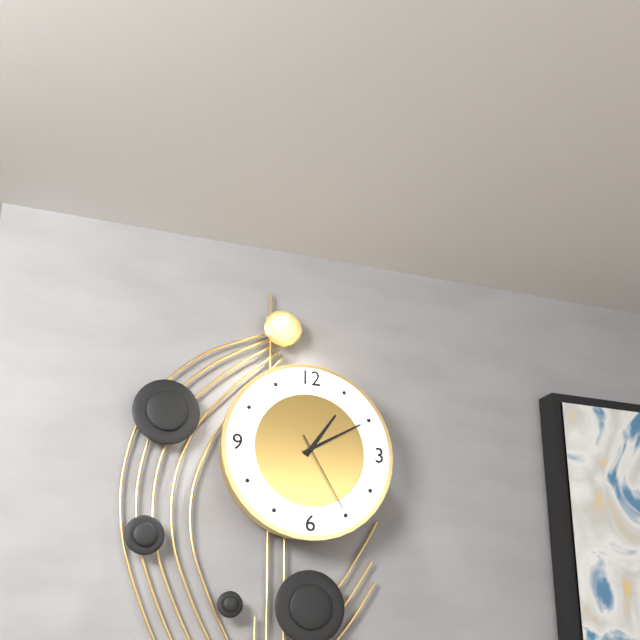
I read 1.10.25
